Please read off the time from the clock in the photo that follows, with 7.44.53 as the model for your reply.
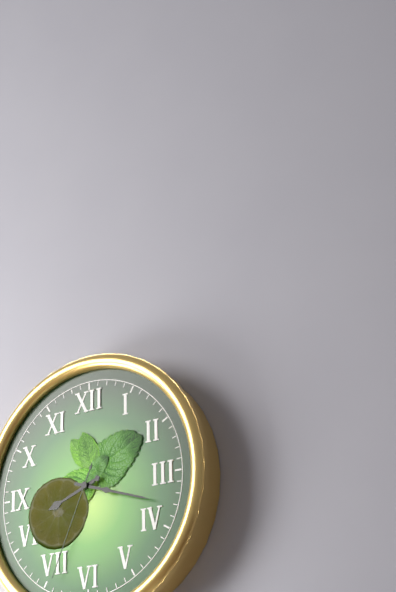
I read 8.18.34
